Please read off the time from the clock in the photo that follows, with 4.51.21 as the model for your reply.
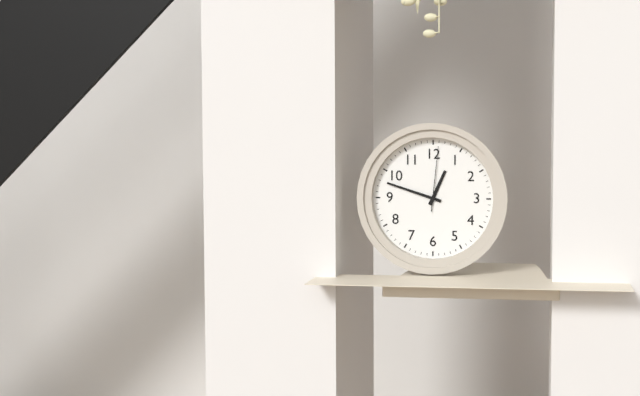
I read 12.48.01
